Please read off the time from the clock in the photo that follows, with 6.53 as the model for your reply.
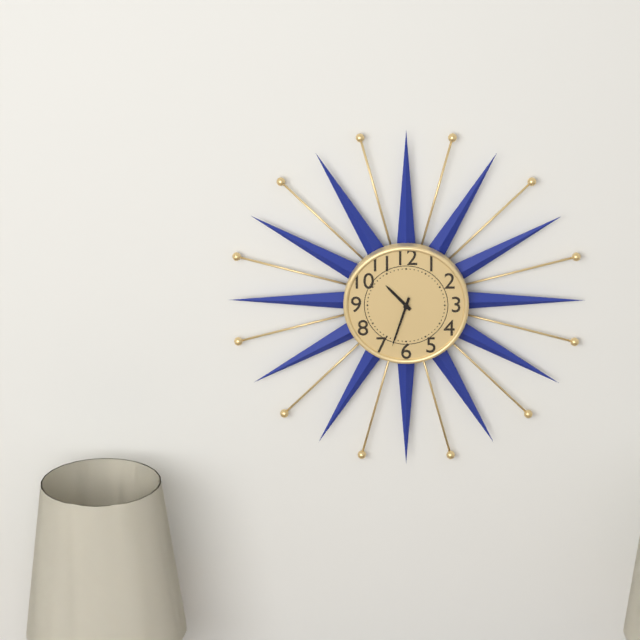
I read 10.33
